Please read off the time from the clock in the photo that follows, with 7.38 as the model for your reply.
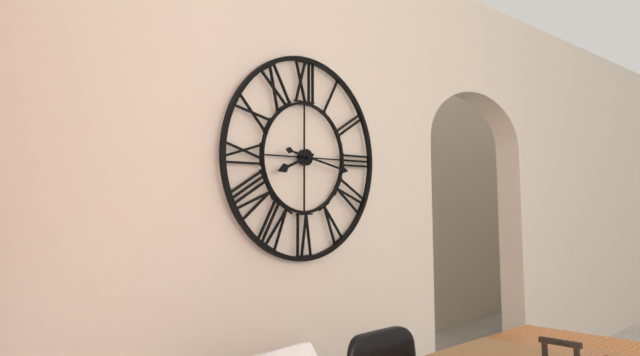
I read 8.17
